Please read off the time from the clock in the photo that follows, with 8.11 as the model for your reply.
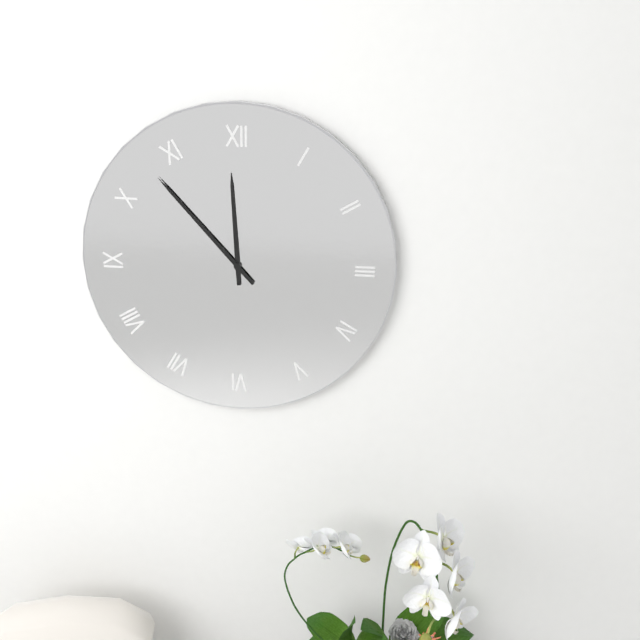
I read 11.53
